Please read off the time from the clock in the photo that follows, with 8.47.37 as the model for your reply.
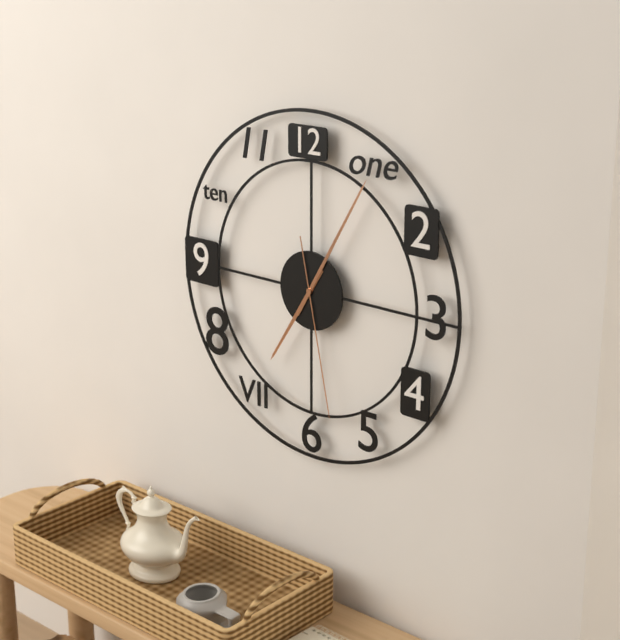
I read 7.05.28
